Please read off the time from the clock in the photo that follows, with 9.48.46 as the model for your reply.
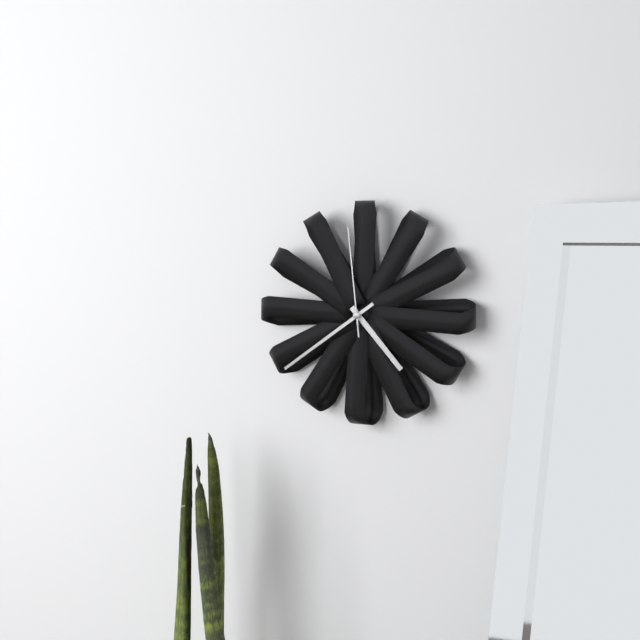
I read 4.39.59
